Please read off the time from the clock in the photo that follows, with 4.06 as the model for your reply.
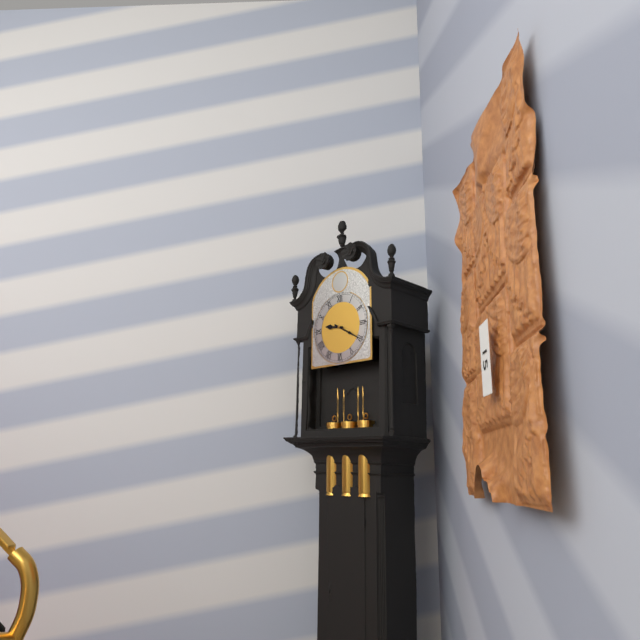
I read 9.20
